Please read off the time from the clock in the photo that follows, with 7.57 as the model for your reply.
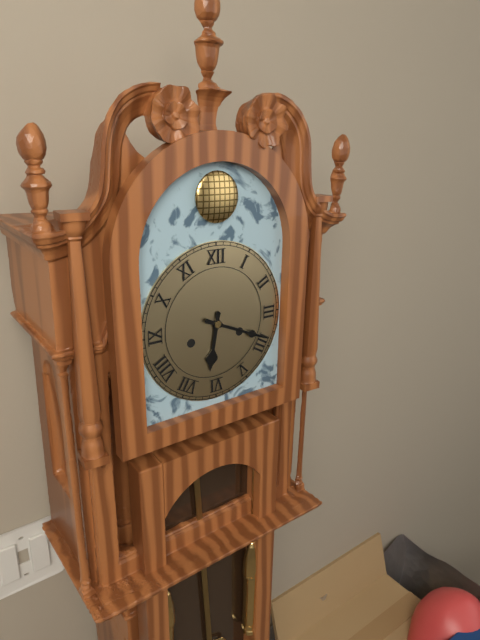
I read 6.19
